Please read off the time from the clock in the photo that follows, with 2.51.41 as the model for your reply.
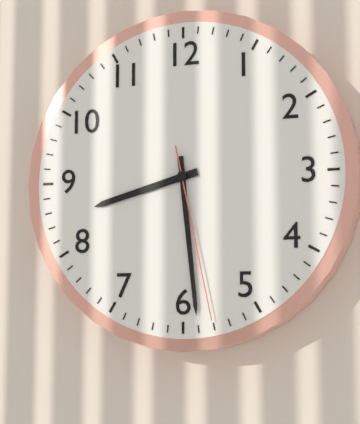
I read 8.29.28
